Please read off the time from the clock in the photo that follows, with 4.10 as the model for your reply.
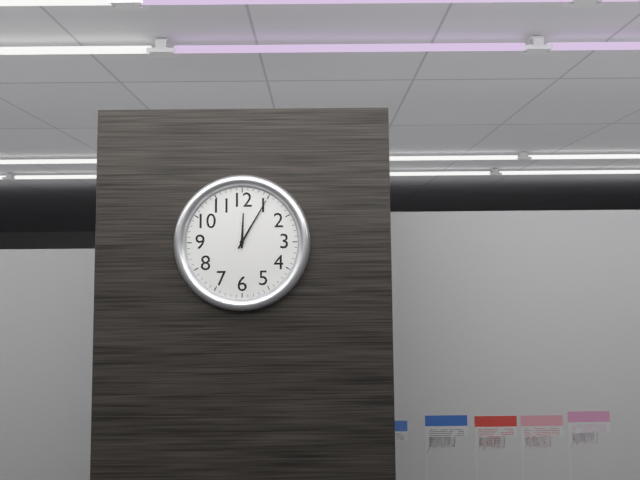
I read 12.05
